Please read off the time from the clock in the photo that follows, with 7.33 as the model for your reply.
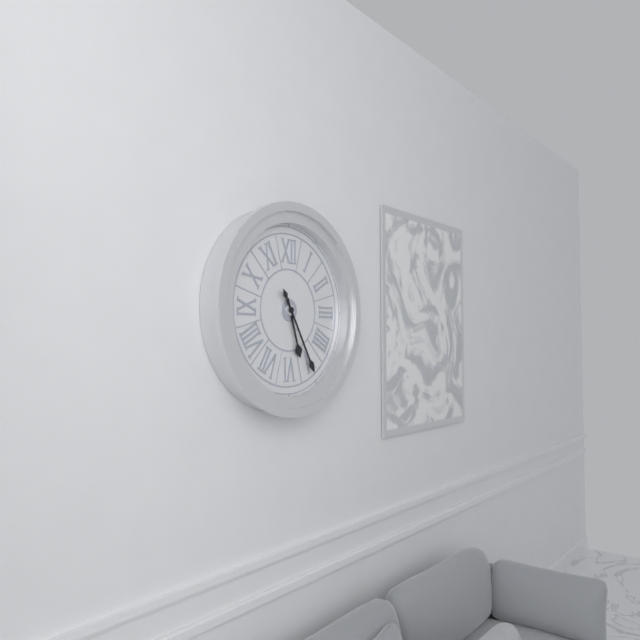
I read 5.25
